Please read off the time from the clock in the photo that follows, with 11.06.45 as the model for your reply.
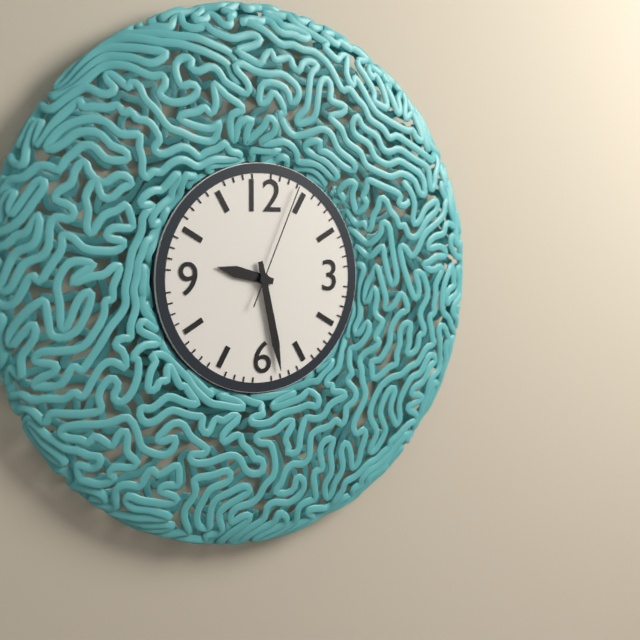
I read 9.28.04
